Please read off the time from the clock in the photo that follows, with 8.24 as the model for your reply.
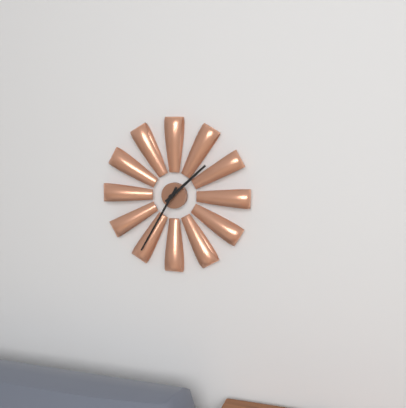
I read 1.35
